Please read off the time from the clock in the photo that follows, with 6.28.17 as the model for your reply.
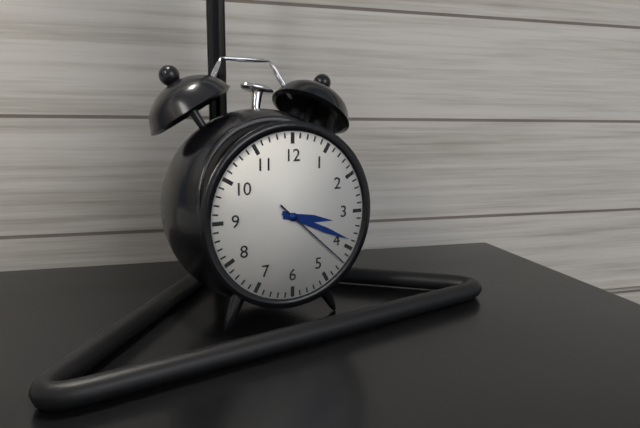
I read 3.19.22
